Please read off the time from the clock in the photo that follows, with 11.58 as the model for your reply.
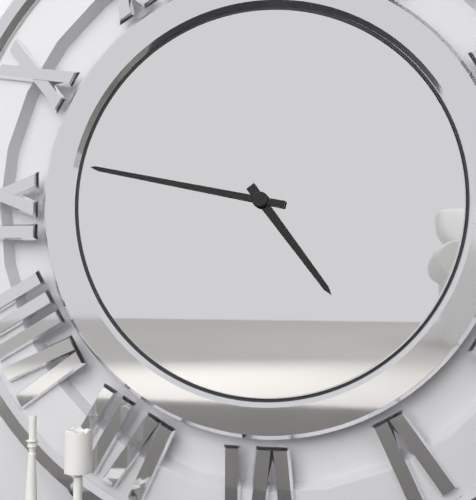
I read 4.47
